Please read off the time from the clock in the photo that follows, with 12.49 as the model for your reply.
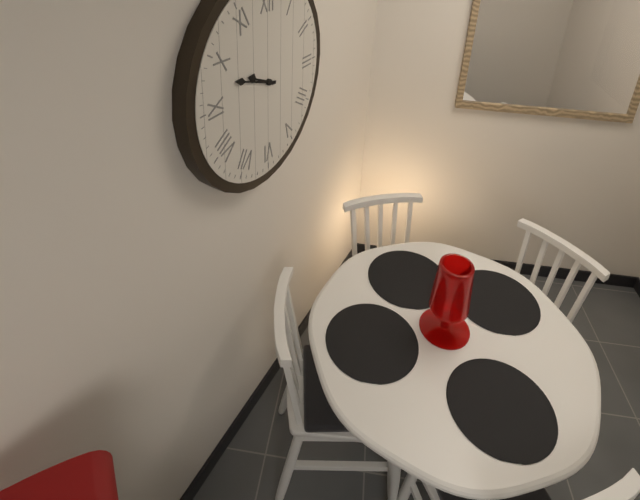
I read 9.48
